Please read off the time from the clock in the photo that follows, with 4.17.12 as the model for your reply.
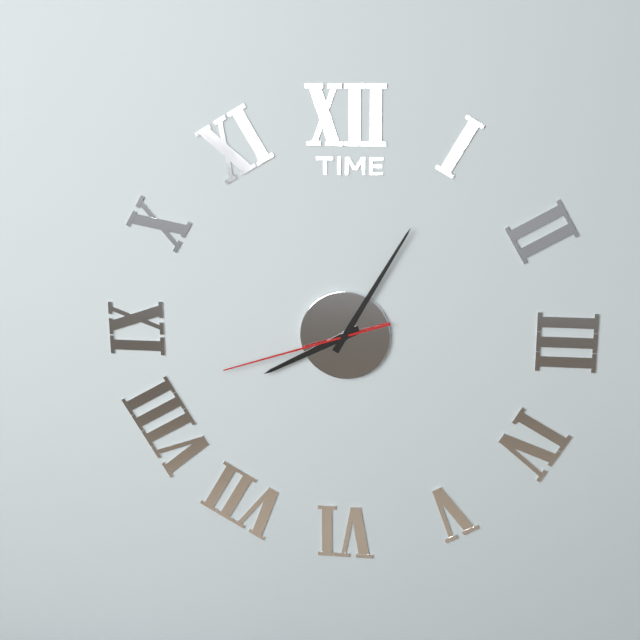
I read 8.05.42
